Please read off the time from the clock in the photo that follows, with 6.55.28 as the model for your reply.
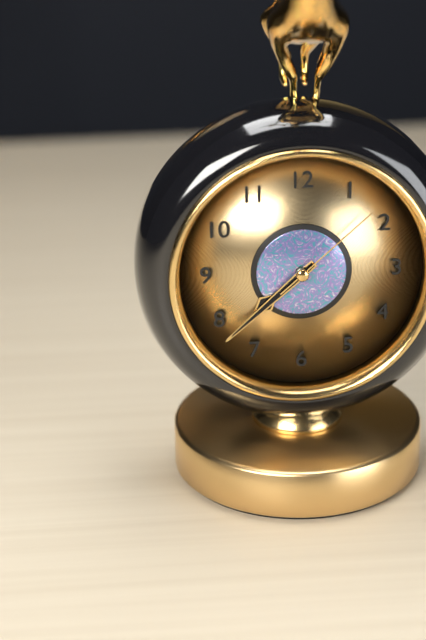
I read 7.38.08
